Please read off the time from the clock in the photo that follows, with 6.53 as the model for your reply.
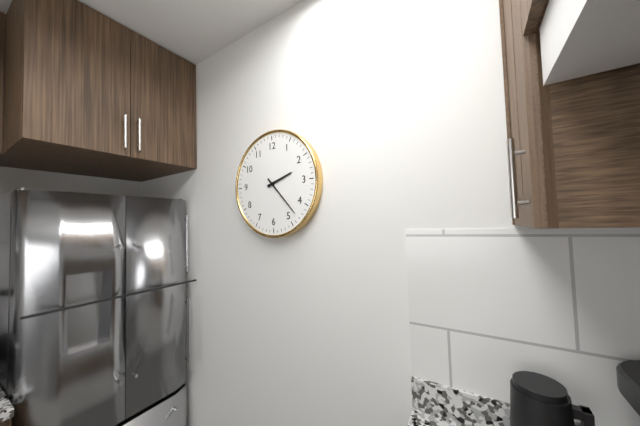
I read 2.23
